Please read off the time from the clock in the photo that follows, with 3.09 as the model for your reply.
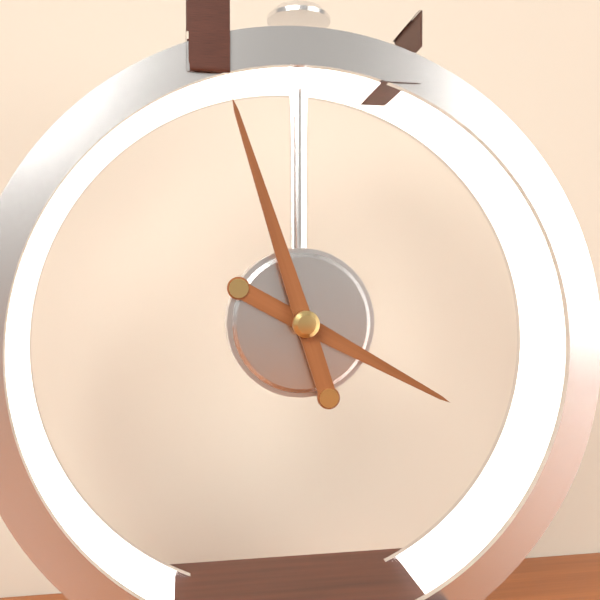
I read 3.57
